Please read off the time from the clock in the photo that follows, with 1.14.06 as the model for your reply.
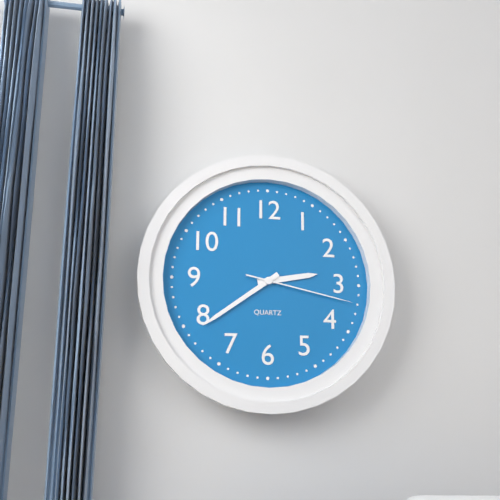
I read 2.39.17
